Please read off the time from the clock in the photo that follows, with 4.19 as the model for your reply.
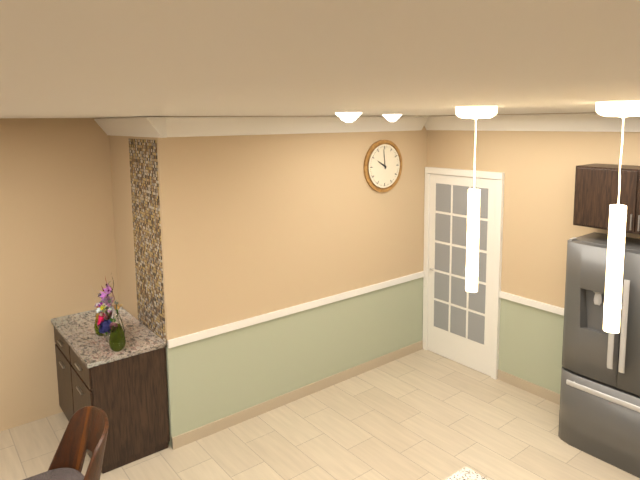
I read 9.59
